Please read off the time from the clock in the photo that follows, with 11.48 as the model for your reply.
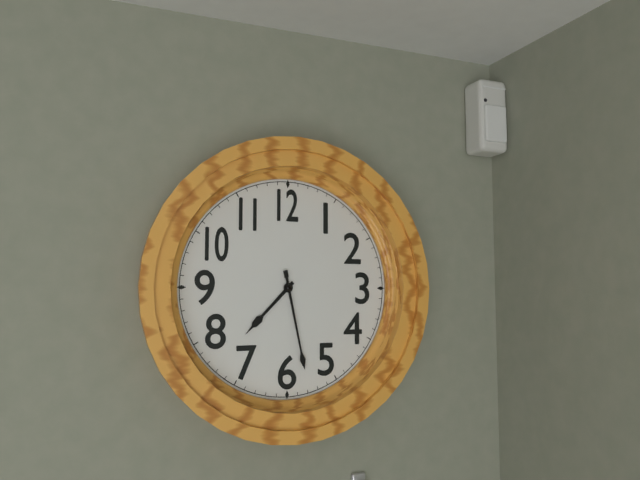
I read 7.28
